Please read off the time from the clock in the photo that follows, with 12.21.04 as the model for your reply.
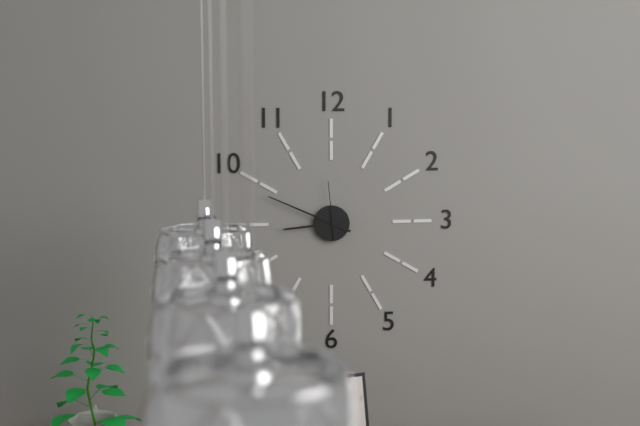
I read 8.49.59
